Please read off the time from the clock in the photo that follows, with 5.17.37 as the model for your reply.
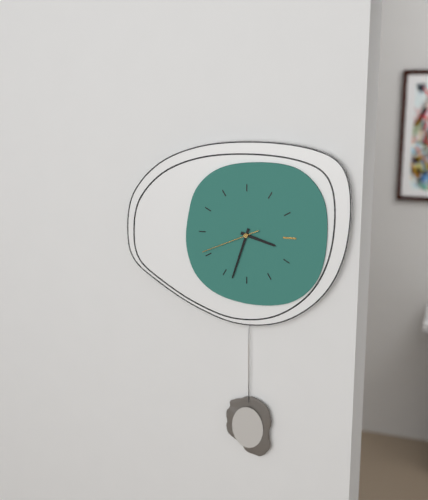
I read 3.33.41
